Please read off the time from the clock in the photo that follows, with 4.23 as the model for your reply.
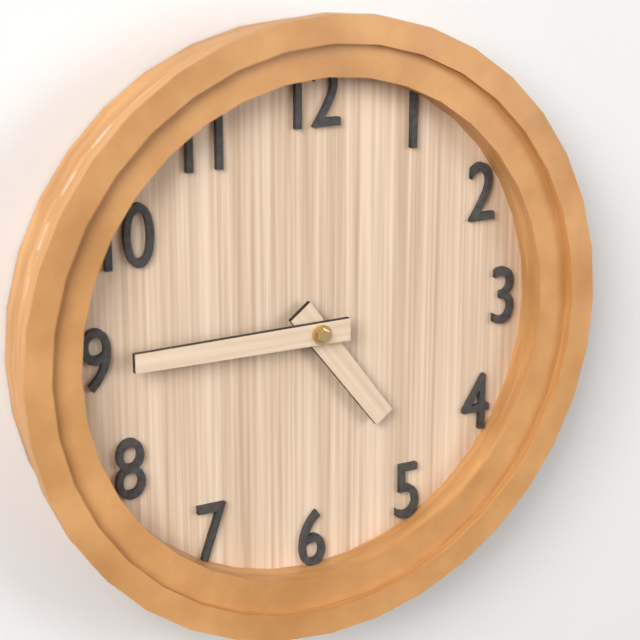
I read 4.45
